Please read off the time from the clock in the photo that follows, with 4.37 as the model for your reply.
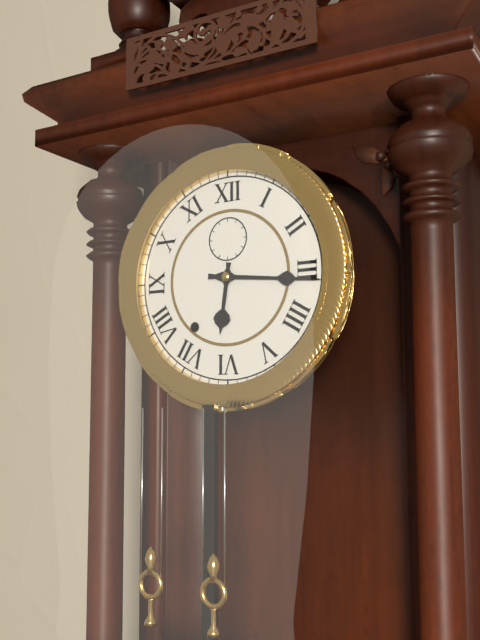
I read 6.16
